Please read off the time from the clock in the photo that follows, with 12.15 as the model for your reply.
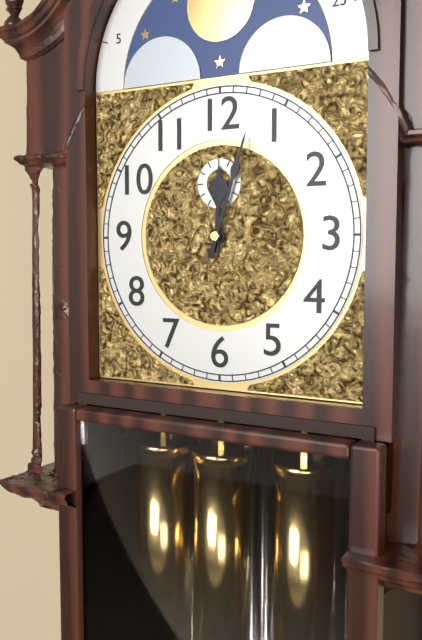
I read 12.03
